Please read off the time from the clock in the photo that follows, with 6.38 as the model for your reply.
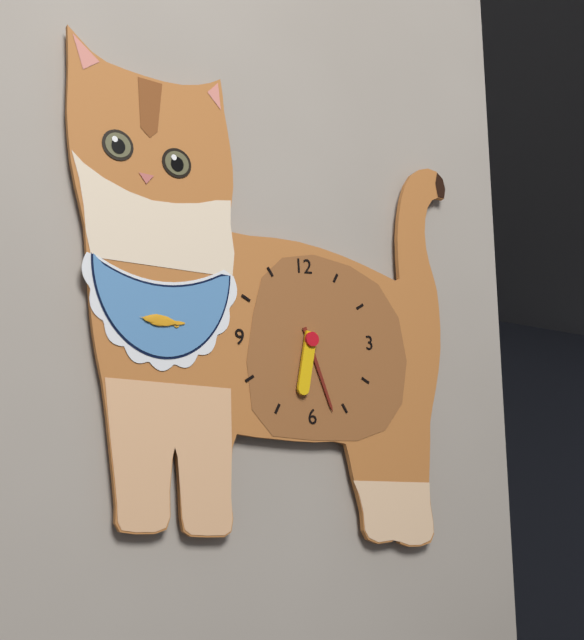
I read 6.27
